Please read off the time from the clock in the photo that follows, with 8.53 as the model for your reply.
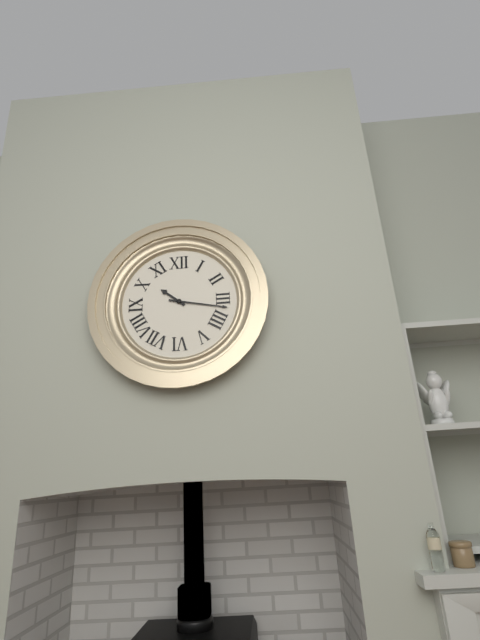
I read 10.17
